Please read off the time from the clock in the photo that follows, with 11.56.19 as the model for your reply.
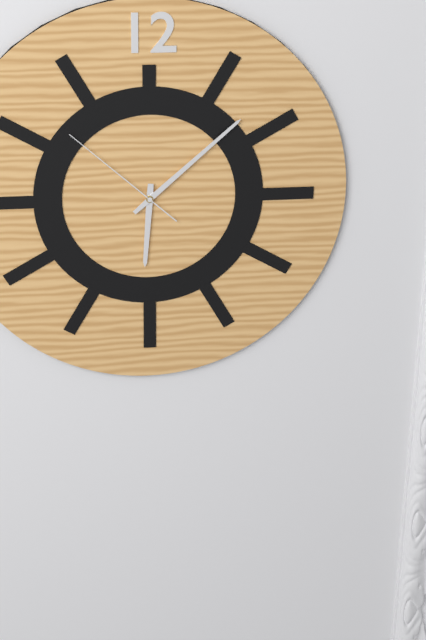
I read 6.08.52
